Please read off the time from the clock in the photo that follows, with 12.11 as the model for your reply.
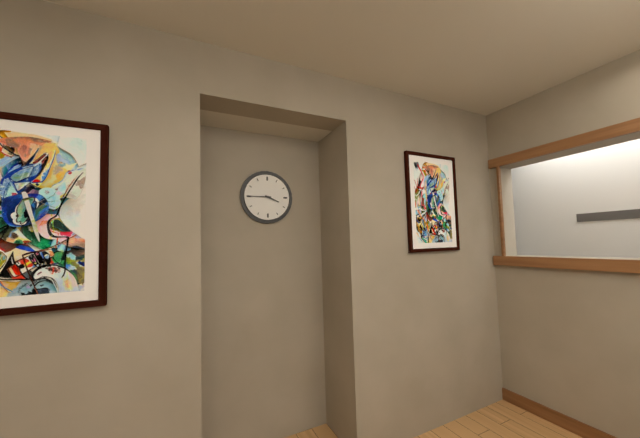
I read 3.45
